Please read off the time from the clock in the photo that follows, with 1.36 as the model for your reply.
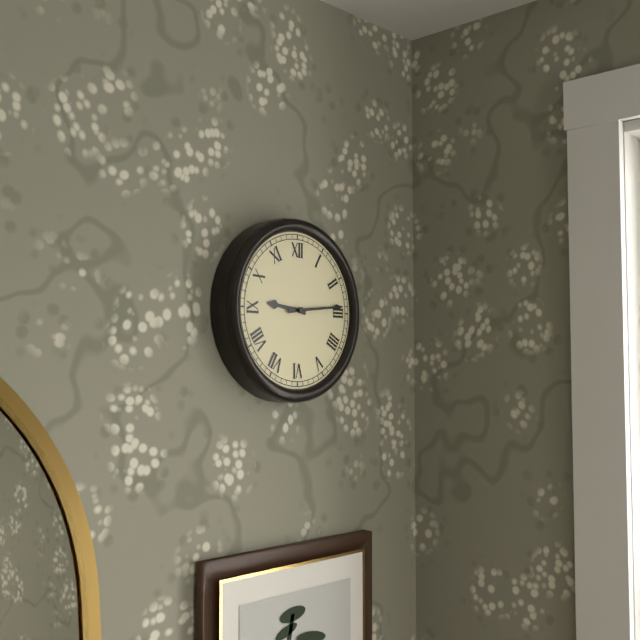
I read 9.14
